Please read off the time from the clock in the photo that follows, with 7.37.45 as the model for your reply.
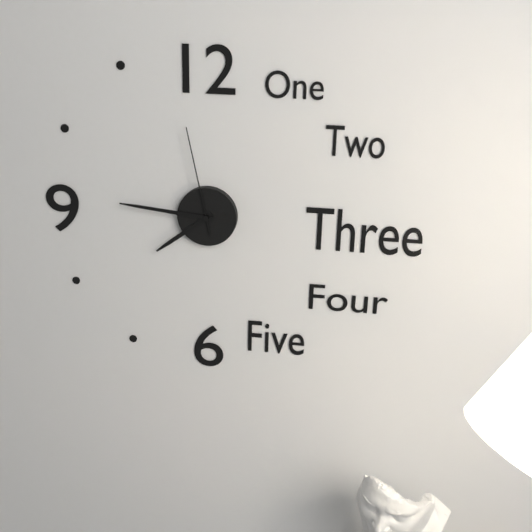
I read 7.46.58
